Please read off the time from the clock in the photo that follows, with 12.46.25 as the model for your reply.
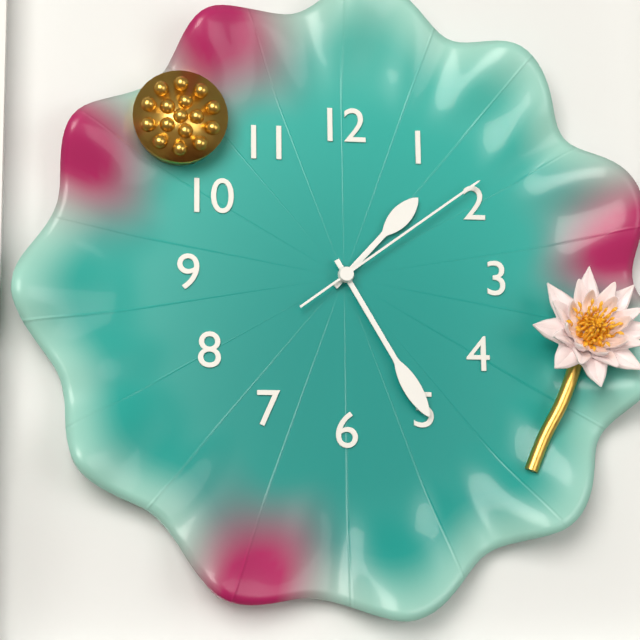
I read 1.25.09
